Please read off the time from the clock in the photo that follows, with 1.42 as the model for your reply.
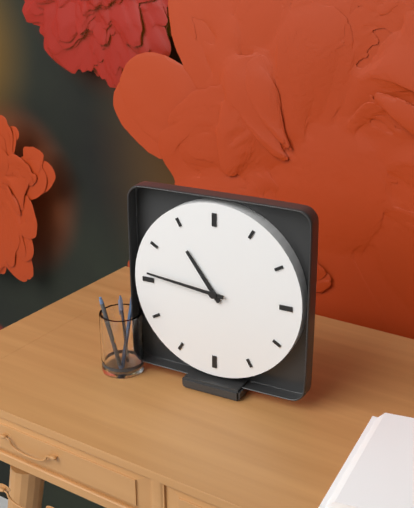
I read 10.46
